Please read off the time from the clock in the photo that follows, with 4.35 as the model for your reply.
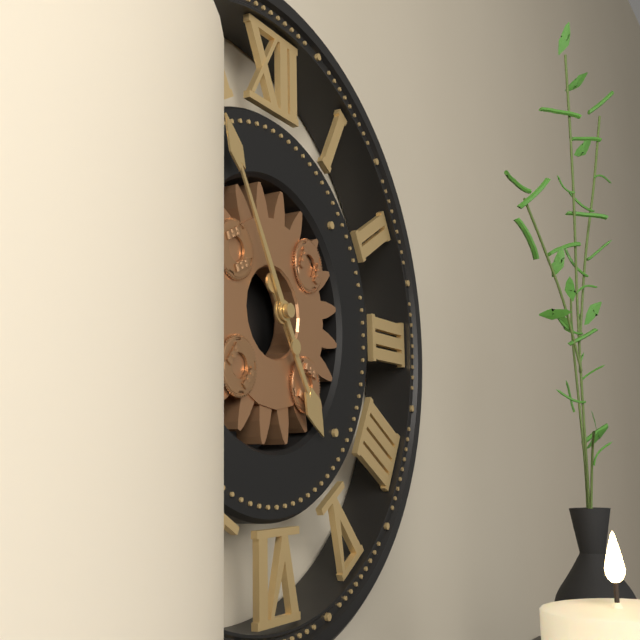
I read 4.55
